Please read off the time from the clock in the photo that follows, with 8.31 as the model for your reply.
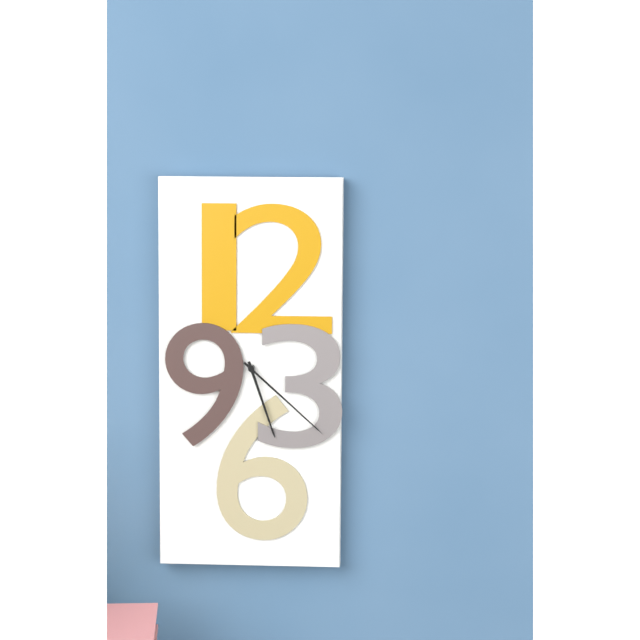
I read 5.22
